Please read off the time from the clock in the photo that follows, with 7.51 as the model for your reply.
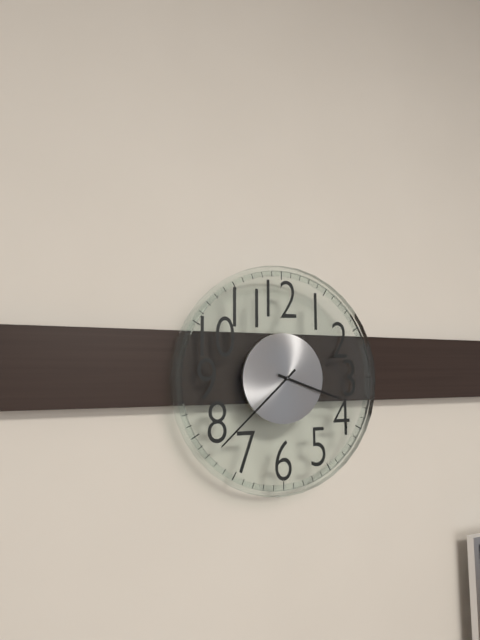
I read 3.38
